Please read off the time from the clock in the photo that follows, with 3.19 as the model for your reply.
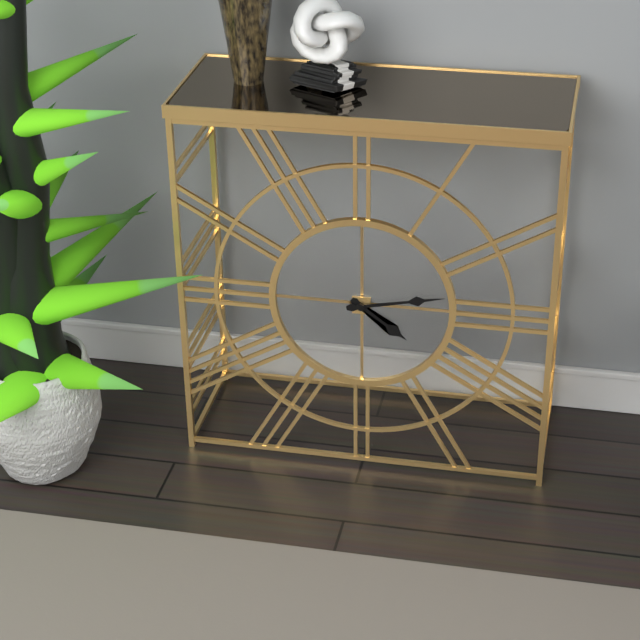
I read 4.13
